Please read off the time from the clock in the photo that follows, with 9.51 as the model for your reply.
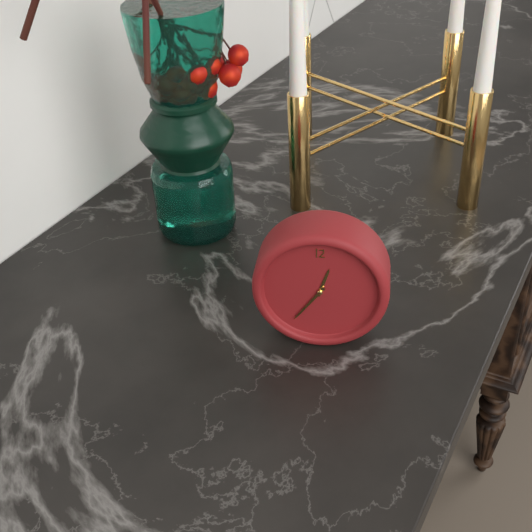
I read 12.36
